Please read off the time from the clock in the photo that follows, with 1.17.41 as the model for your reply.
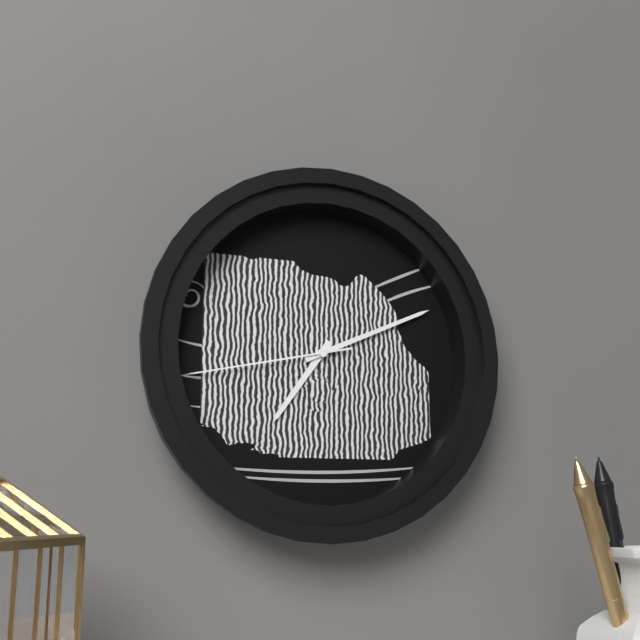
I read 7.11.43
